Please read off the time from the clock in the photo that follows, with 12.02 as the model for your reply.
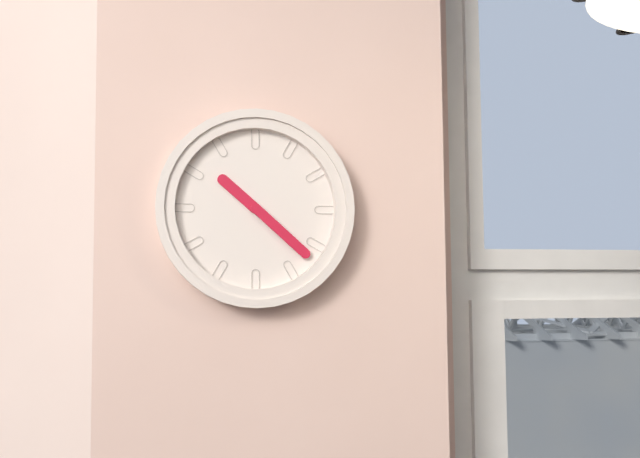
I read 10.22
